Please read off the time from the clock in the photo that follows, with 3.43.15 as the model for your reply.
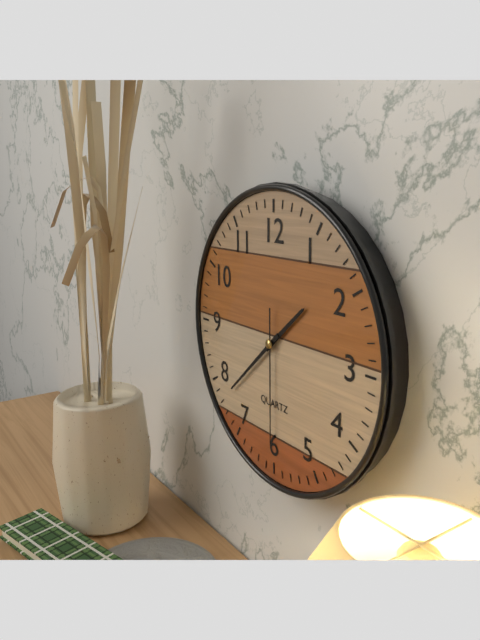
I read 1.38.30
